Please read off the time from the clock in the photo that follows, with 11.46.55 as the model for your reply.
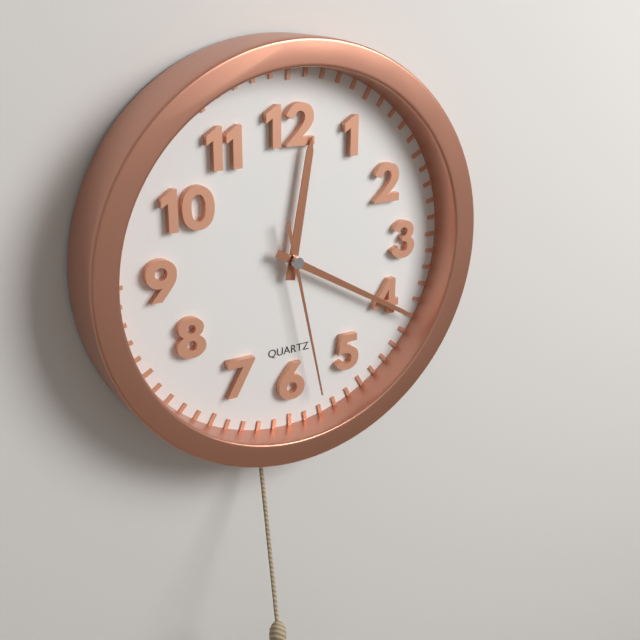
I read 12.20.28
